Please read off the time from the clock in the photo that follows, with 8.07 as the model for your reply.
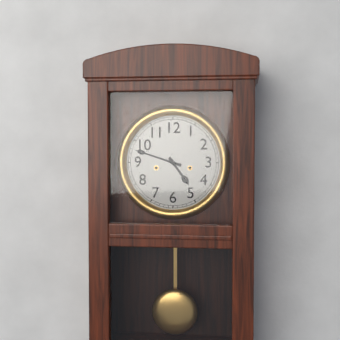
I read 4.48
